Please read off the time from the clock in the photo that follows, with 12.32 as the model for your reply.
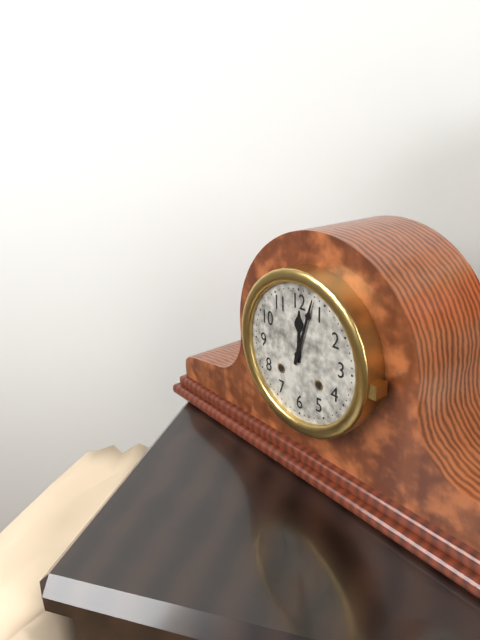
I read 12.03
